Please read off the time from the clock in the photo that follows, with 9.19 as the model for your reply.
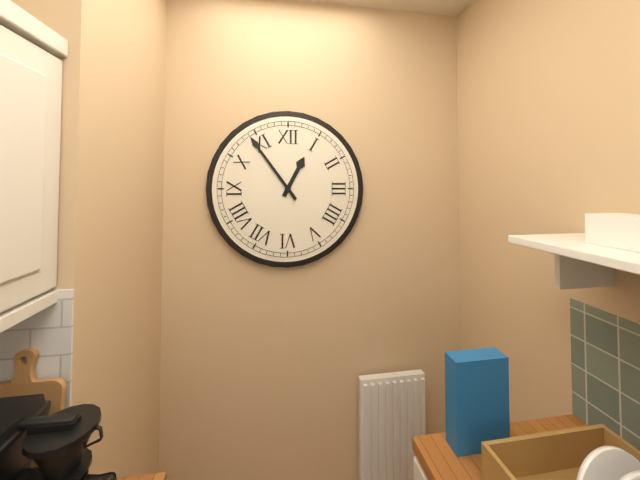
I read 12.54
